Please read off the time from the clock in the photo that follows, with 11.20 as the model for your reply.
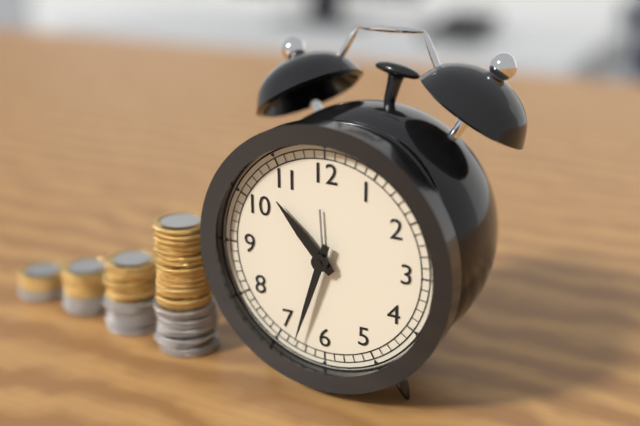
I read 10.33
